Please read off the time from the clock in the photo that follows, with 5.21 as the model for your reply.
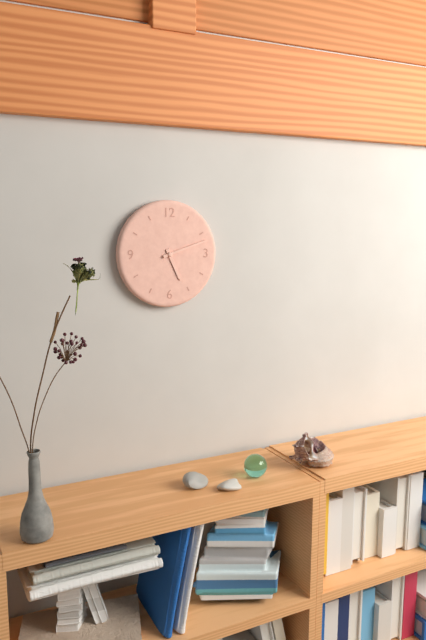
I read 5.12
